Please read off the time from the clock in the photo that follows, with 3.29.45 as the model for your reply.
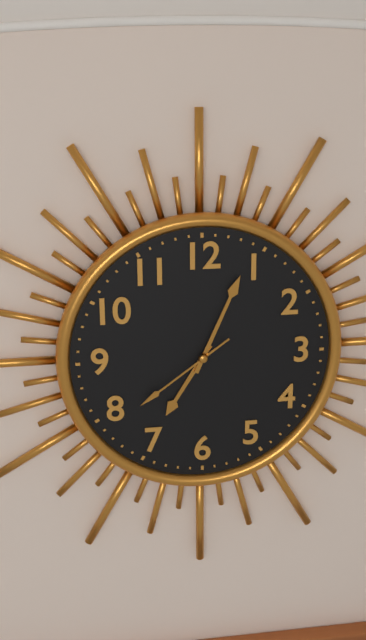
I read 7.04.39
